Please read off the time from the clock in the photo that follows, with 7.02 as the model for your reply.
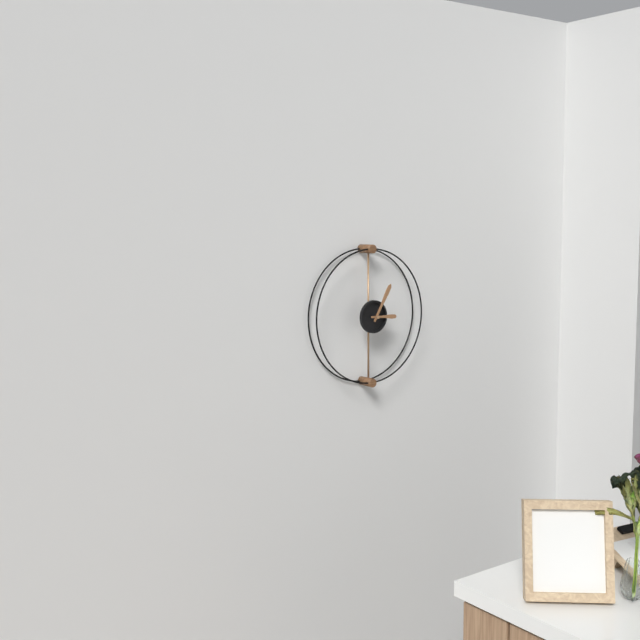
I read 3.05
